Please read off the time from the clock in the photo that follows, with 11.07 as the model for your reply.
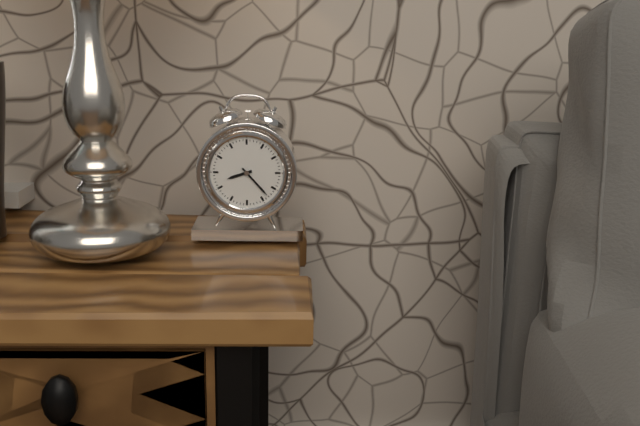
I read 8.23
